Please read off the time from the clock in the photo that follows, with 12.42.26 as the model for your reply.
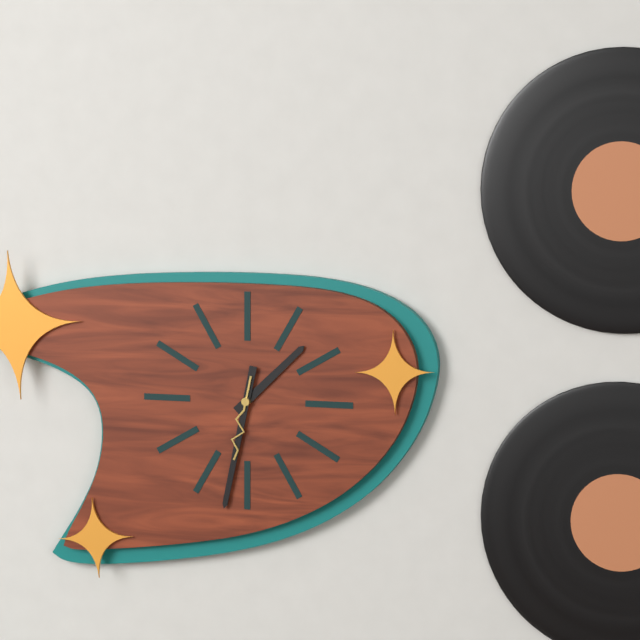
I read 1.32.32
